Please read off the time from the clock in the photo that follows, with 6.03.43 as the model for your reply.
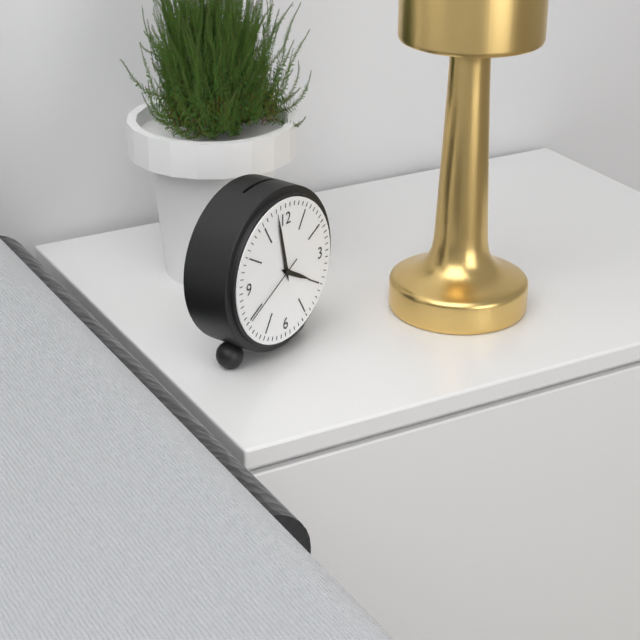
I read 3.58.40
